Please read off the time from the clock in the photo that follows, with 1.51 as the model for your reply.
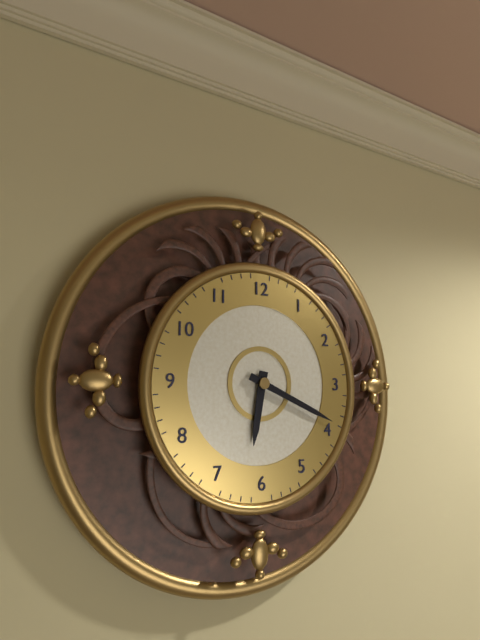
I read 6.19
